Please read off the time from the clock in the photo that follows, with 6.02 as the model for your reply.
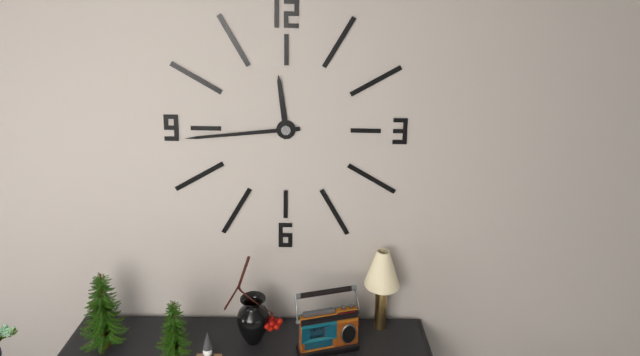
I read 11.44
